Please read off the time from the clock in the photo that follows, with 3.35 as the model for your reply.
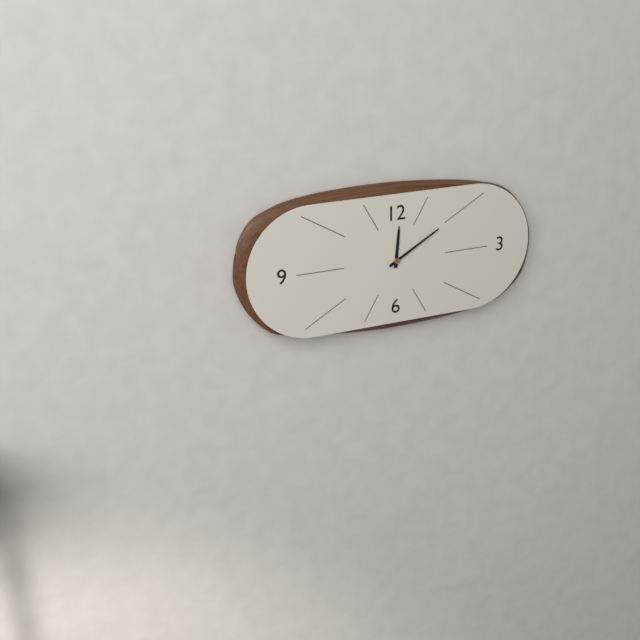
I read 12.10
